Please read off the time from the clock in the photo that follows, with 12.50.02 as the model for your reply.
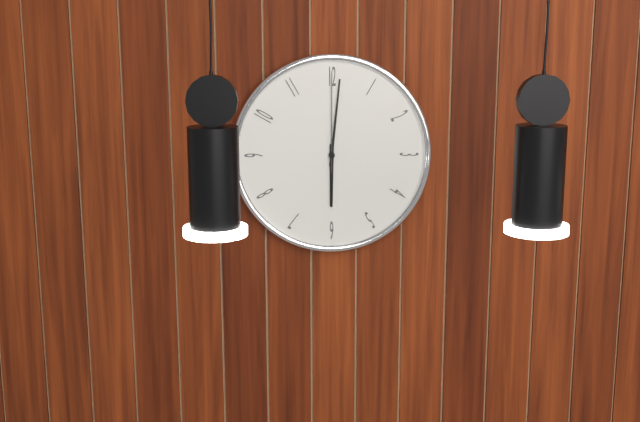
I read 6.01.00
